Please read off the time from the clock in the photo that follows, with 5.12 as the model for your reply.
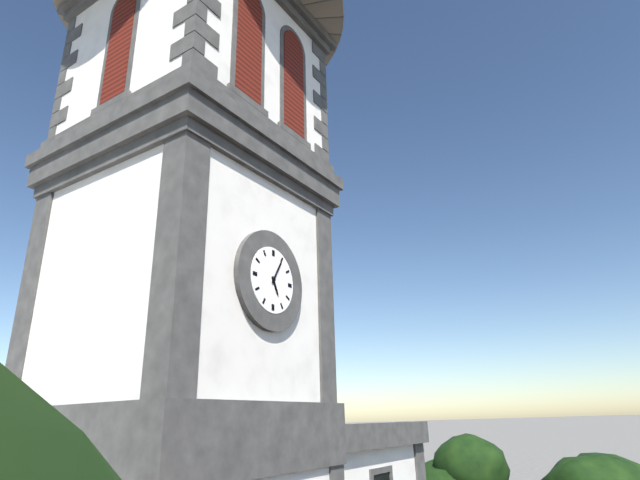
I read 5.05
